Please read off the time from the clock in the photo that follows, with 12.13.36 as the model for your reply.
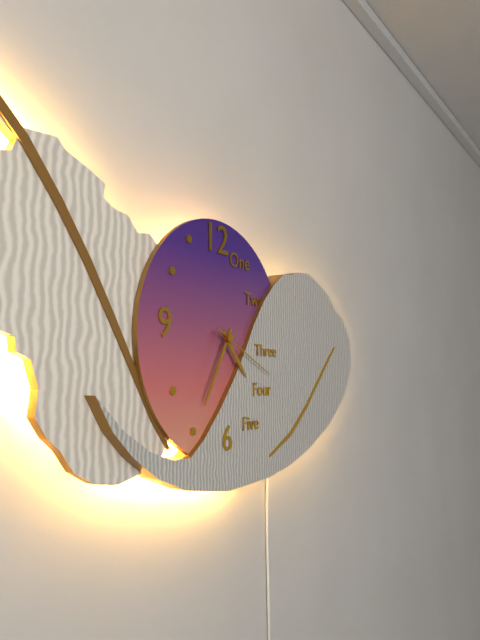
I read 4.35.19
